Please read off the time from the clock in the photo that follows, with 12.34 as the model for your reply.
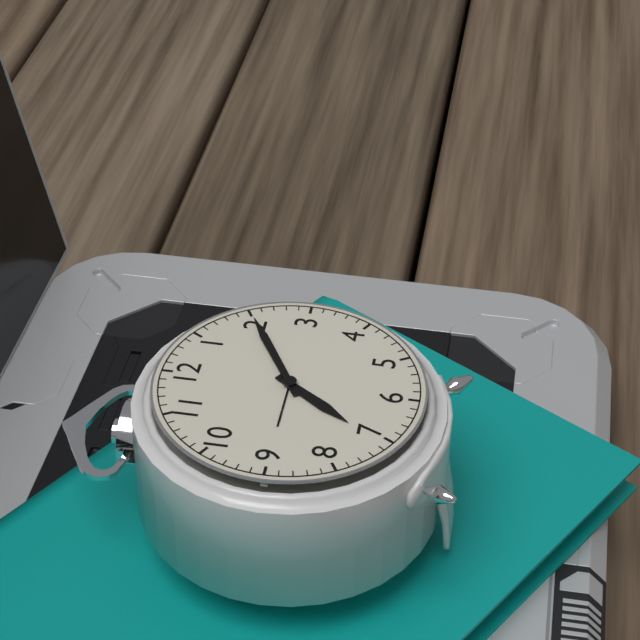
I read 7.10
